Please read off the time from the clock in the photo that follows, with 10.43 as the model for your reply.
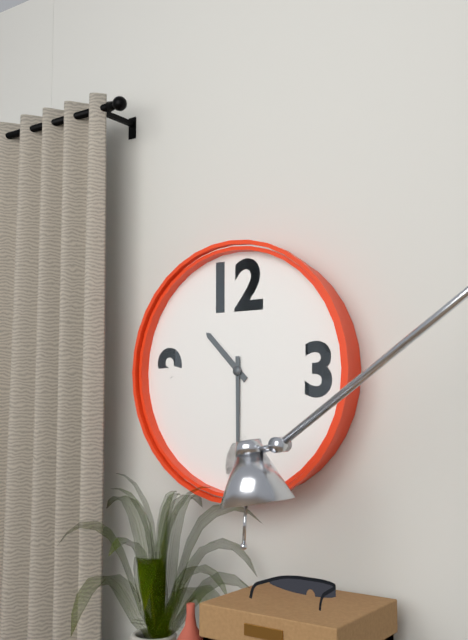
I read 10.30
